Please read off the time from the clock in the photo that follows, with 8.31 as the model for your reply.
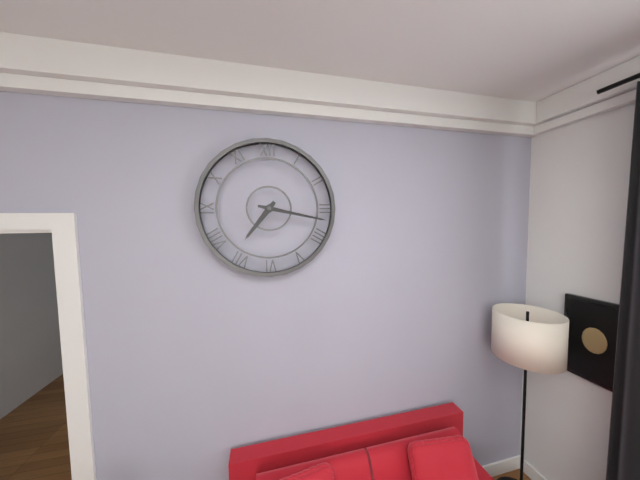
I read 7.17
